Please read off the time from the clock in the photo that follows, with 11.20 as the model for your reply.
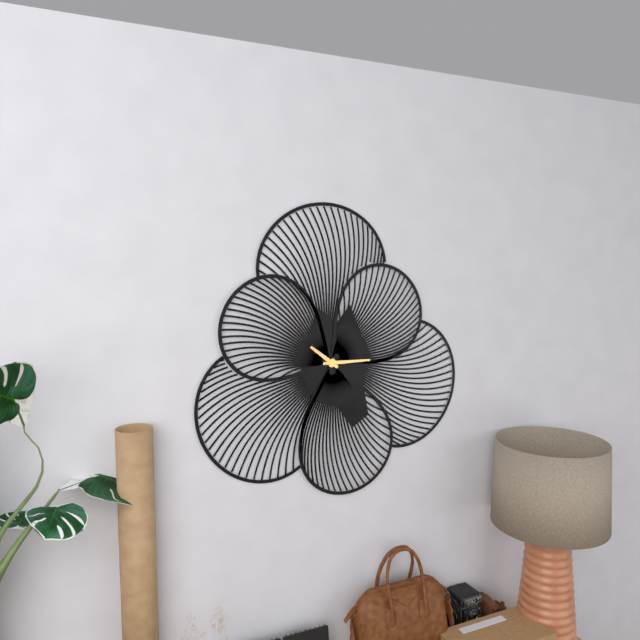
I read 10.15
